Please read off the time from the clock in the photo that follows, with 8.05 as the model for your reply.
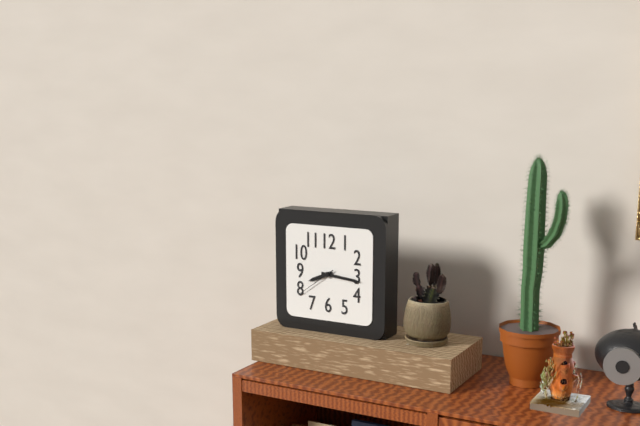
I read 8.16
